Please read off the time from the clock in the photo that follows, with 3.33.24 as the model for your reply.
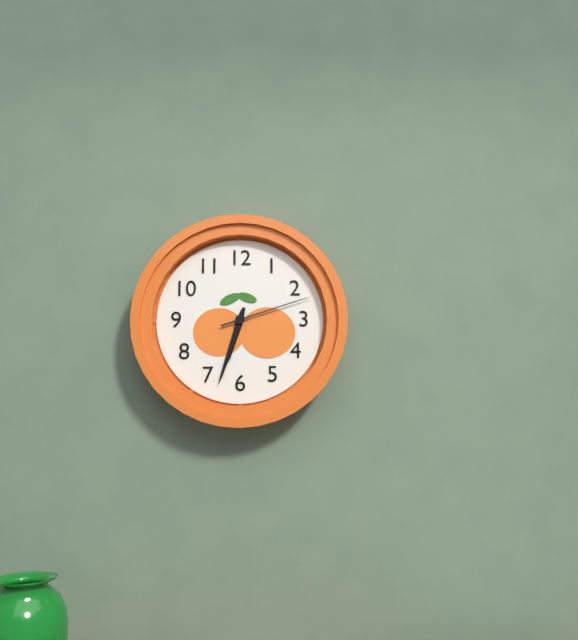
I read 6.33.12
